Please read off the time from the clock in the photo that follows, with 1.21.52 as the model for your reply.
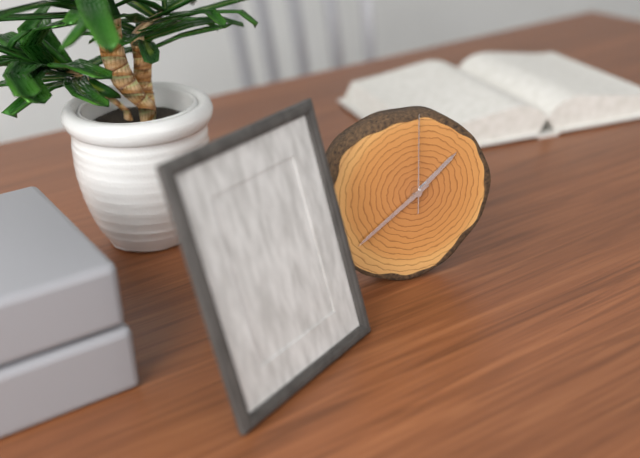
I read 1.39.00
